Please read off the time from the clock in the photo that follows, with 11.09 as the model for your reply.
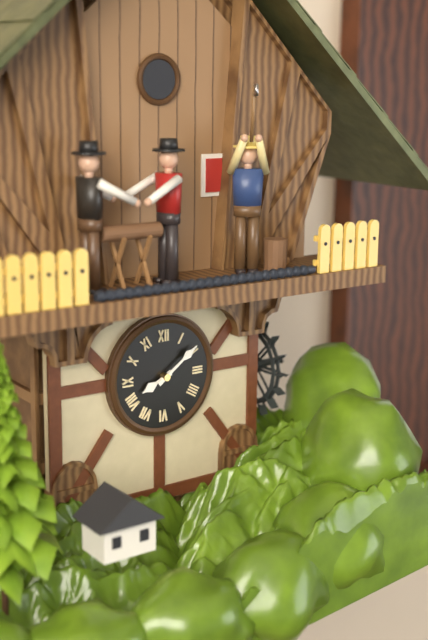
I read 8.09
